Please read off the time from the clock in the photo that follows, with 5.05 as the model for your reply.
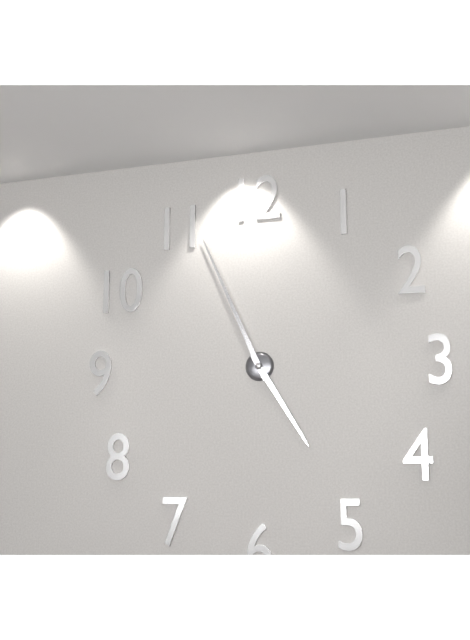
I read 4.56
